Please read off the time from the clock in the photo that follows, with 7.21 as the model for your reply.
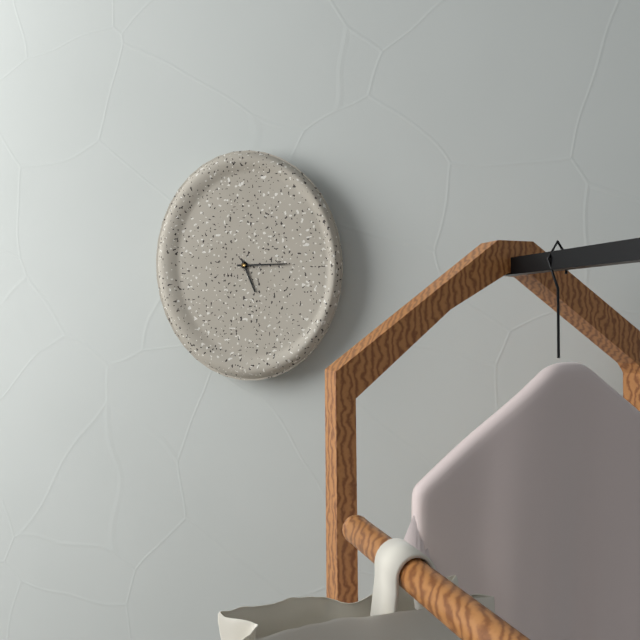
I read 5.15
